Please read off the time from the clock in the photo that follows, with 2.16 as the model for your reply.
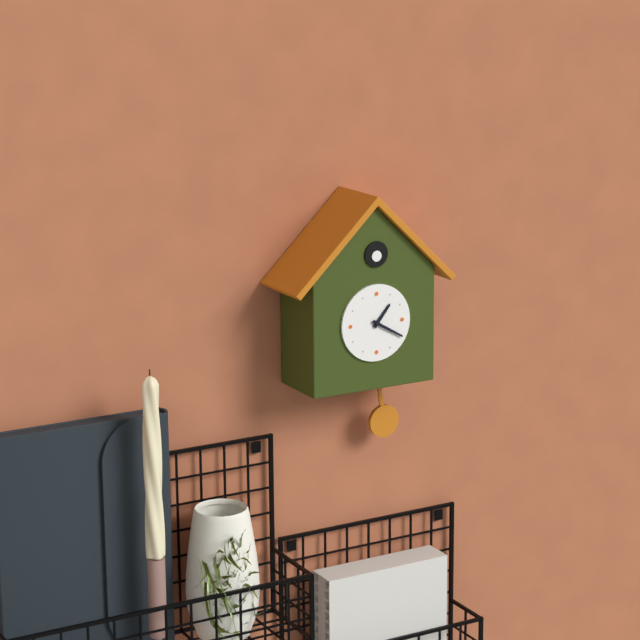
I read 1.20
